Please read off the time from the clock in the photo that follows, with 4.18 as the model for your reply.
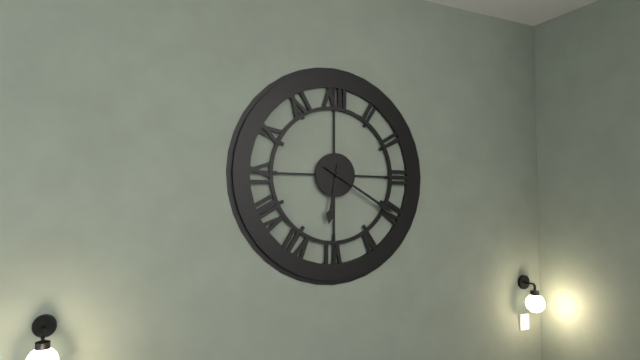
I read 6.20
